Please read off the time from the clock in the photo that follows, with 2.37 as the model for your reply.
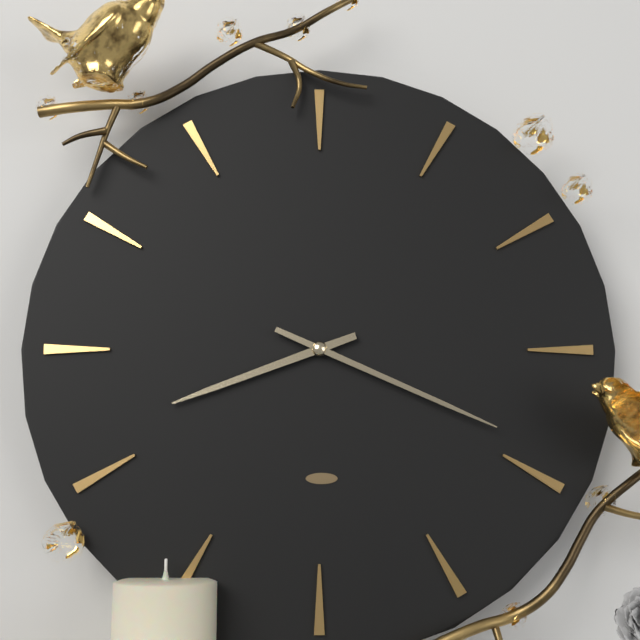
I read 8.19
